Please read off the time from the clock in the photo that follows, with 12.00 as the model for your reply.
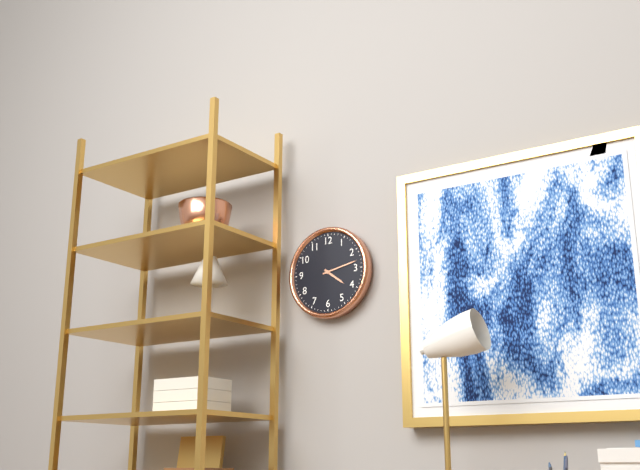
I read 4.13
